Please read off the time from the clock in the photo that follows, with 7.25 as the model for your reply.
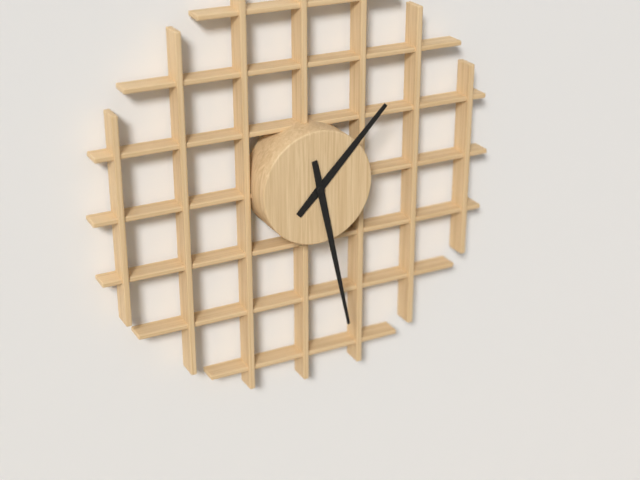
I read 1.28
